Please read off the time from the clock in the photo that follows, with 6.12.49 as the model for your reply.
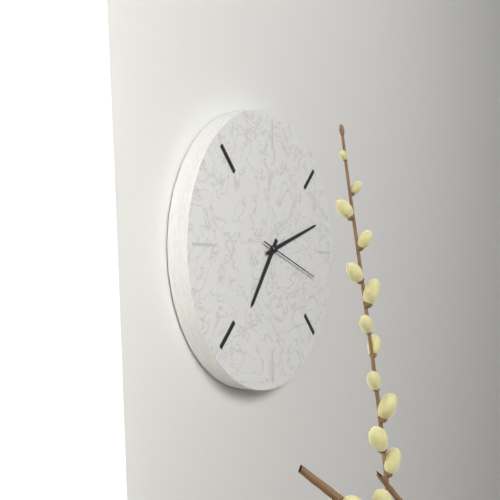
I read 7.12.18
